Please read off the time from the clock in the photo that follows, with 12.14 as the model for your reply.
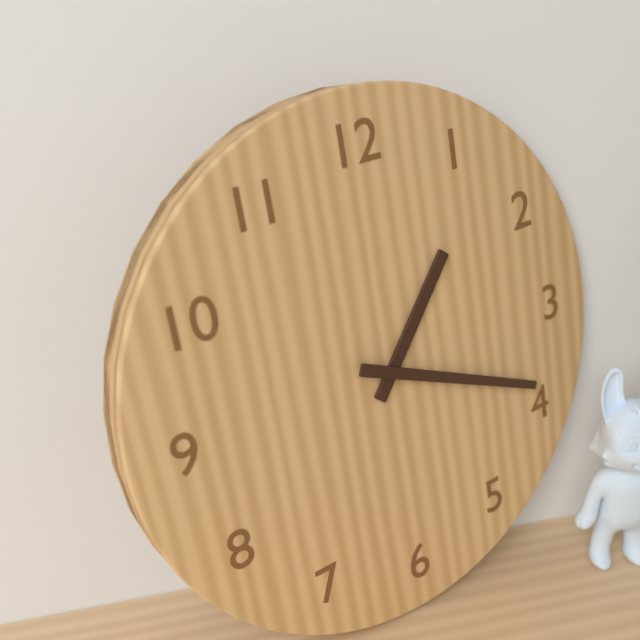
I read 1.19
